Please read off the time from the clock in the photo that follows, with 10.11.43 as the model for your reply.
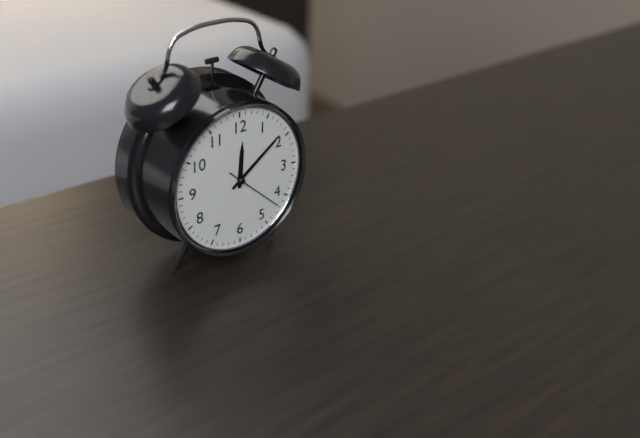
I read 12.09.22
